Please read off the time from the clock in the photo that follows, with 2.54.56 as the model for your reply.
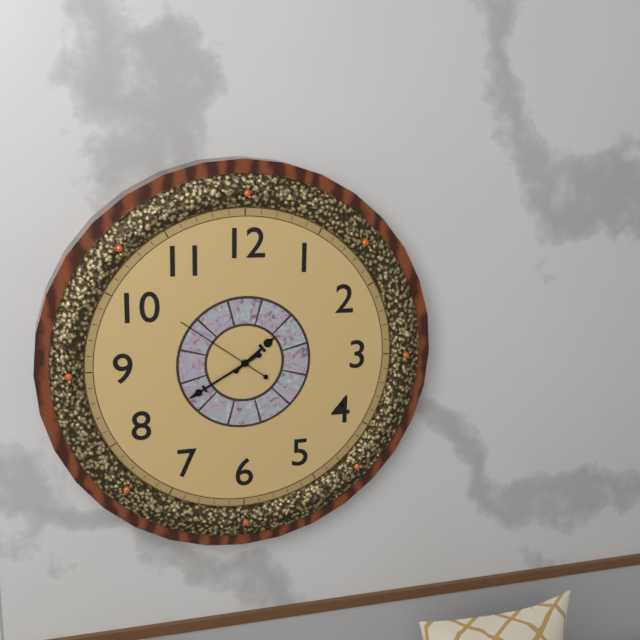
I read 1.40.51
